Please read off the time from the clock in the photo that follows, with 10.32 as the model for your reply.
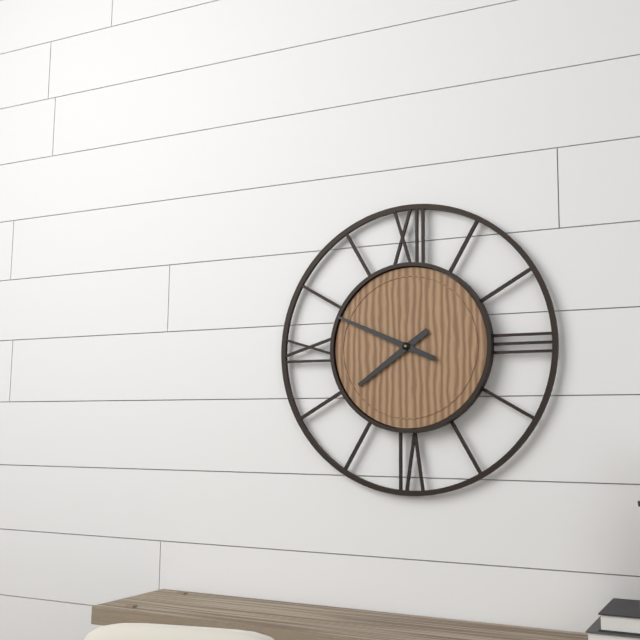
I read 7.49
